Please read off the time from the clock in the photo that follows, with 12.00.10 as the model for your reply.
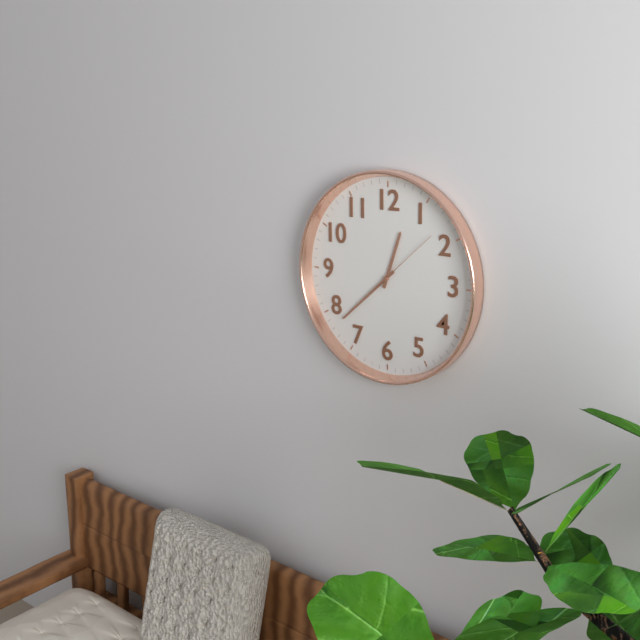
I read 12.38.08
